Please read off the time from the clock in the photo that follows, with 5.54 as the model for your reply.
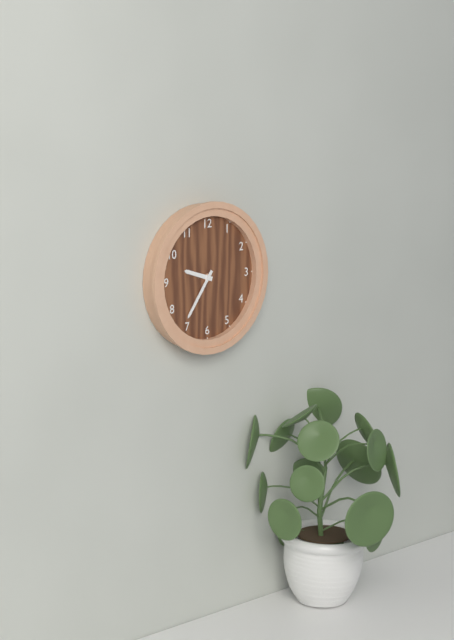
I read 9.36
